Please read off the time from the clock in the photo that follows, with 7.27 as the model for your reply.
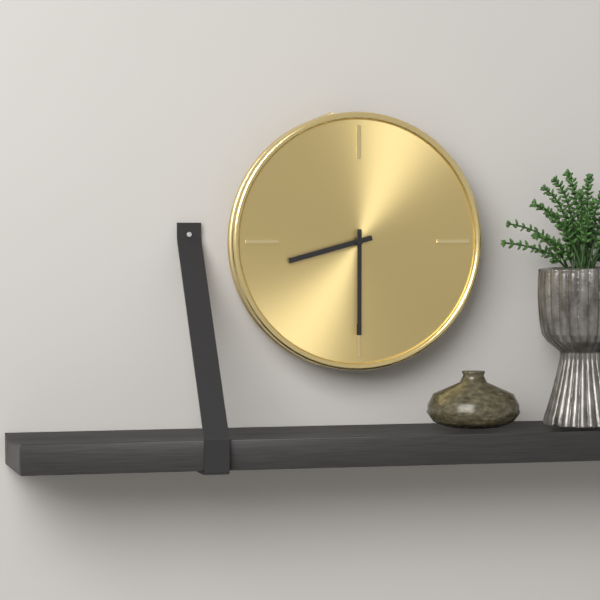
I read 8.30
